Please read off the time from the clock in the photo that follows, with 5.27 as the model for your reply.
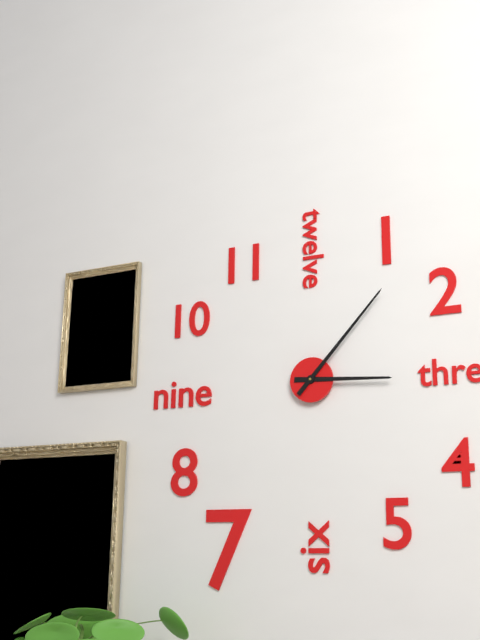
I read 3.07
